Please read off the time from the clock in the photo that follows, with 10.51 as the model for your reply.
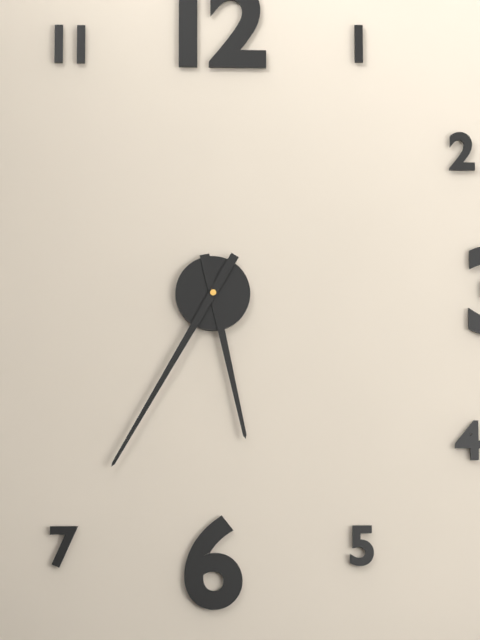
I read 5.35
